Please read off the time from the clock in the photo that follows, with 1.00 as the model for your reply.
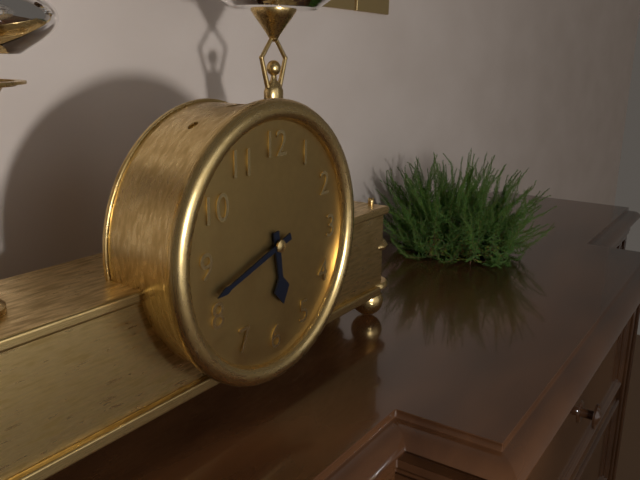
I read 5.42
